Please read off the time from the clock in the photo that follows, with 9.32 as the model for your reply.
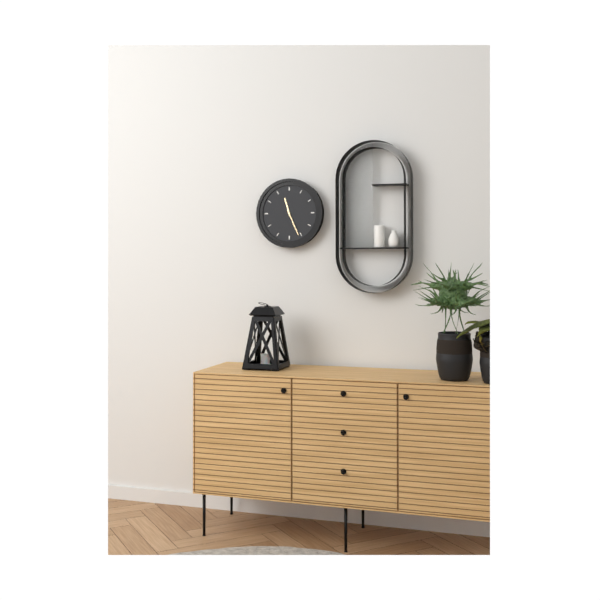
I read 11.26
